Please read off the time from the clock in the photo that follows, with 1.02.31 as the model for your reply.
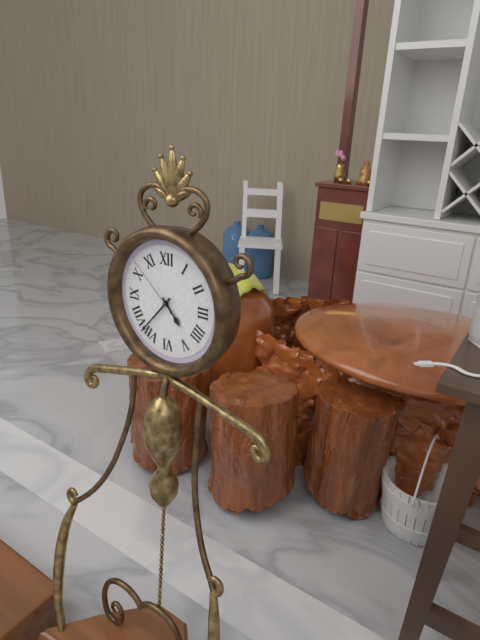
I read 4.37.52
